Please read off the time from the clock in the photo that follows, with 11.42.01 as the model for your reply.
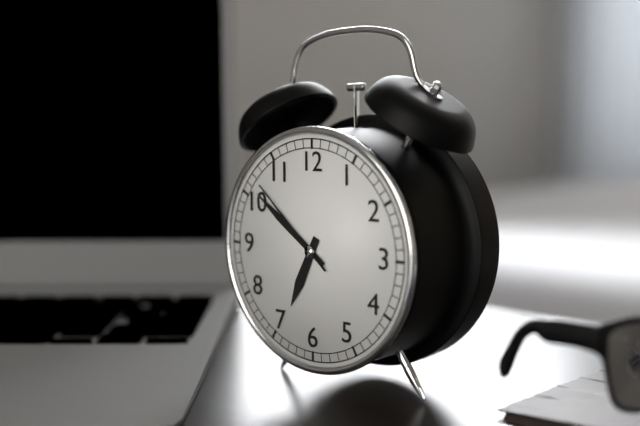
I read 6.51.52
